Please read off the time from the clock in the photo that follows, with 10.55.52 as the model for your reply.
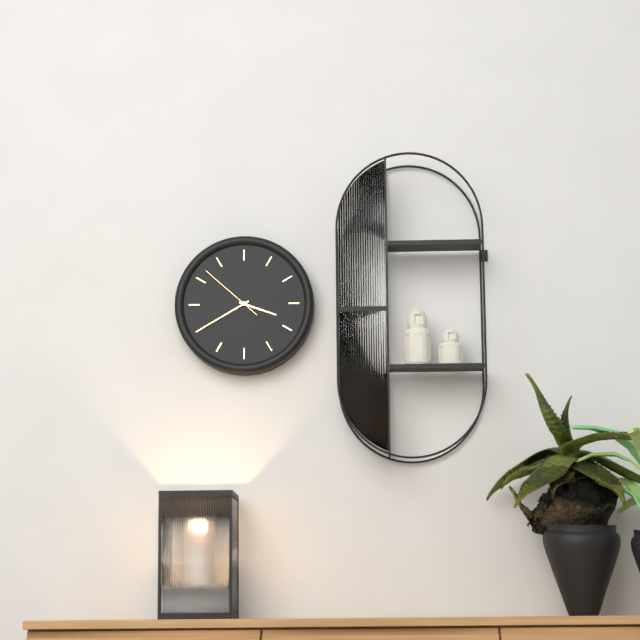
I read 3.40.52
